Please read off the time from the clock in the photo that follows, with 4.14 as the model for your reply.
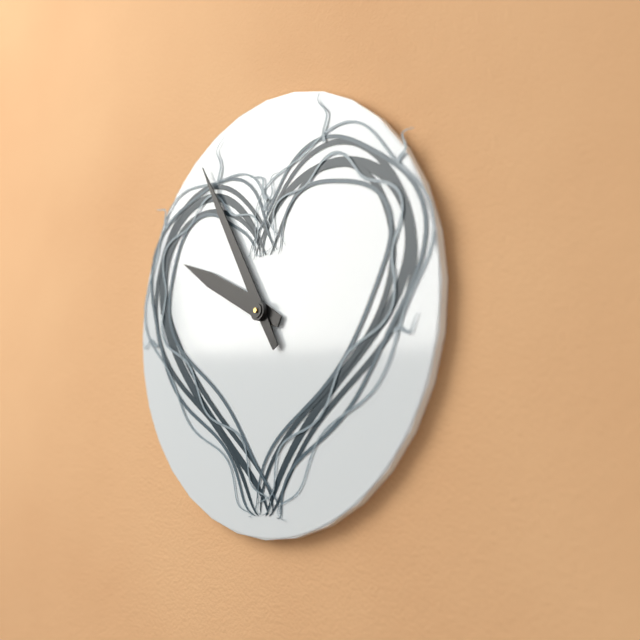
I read 9.55
